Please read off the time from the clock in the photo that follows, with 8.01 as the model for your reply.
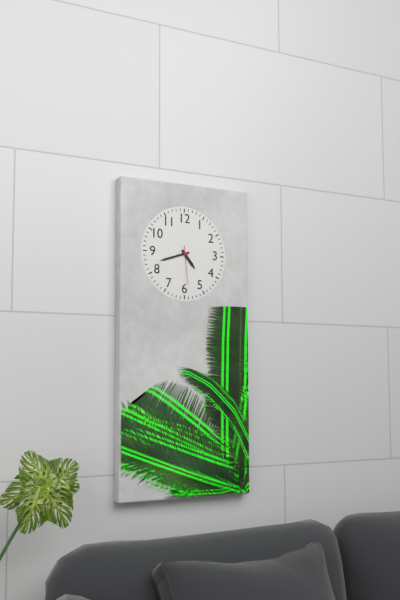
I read 4.42
